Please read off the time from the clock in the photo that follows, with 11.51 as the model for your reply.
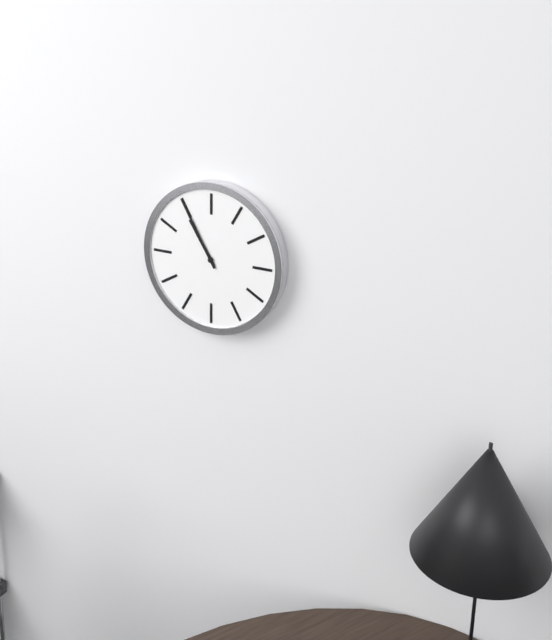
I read 10.55
